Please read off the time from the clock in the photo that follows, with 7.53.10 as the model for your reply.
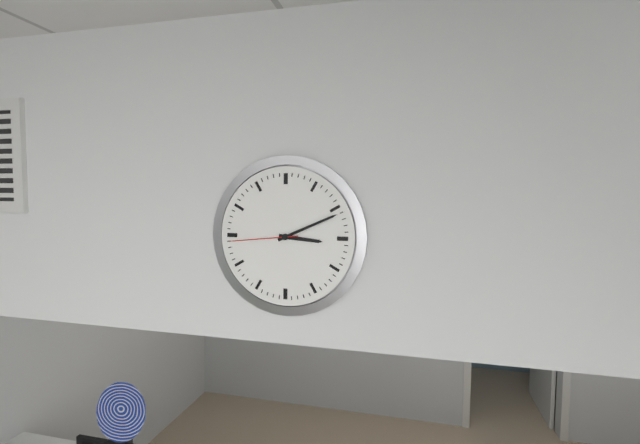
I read 3.11.44
